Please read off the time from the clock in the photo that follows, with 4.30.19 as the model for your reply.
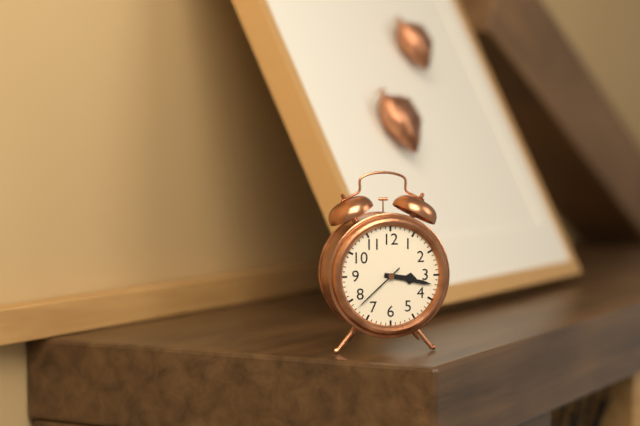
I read 3.17.38
